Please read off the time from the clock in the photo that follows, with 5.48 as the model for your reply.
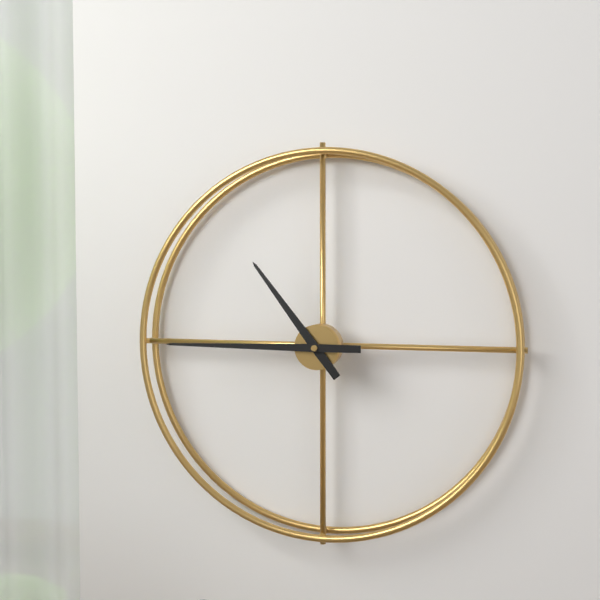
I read 10.45
